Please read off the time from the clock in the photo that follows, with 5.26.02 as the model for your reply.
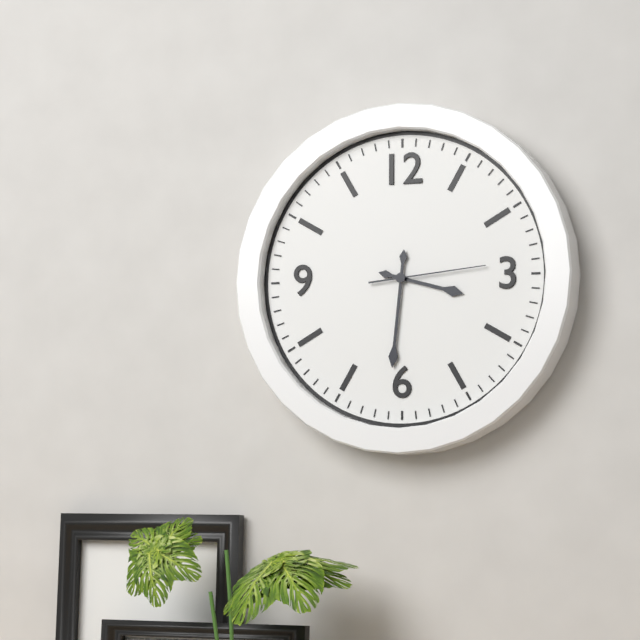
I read 3.31.14
